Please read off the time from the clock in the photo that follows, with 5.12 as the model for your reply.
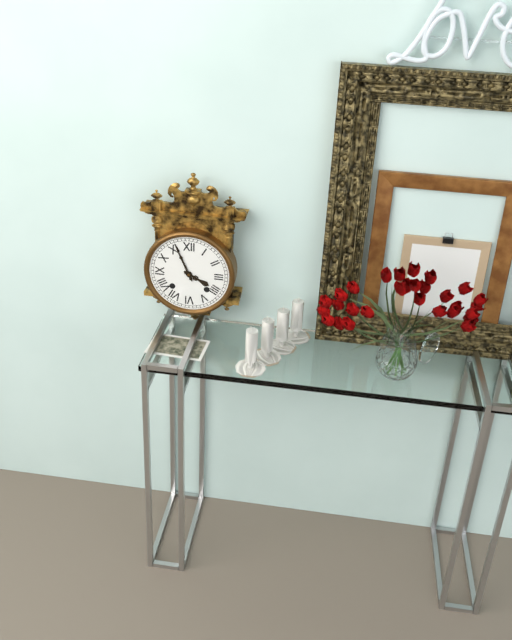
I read 3.56
